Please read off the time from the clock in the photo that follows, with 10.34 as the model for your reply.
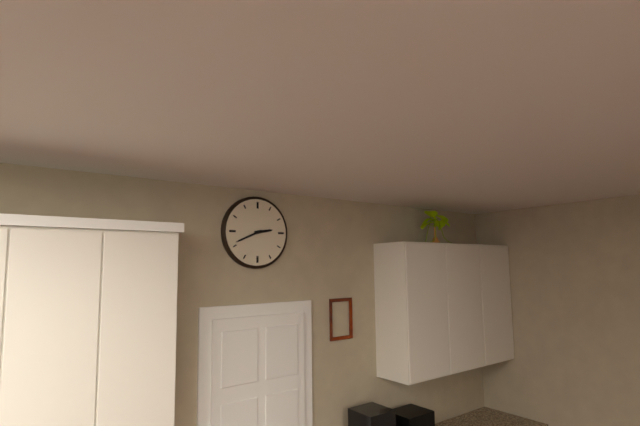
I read 2.41
